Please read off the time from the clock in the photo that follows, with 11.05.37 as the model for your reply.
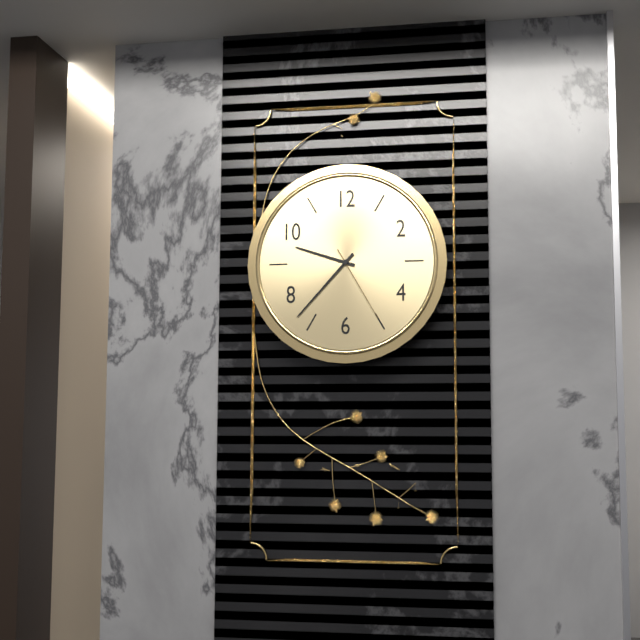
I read 9.37.25
